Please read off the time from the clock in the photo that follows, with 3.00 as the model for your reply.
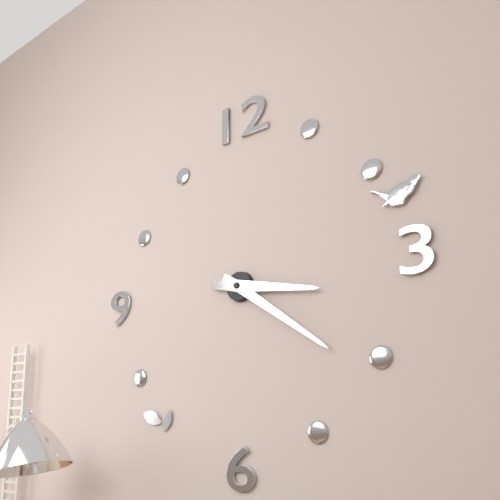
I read 3.21
